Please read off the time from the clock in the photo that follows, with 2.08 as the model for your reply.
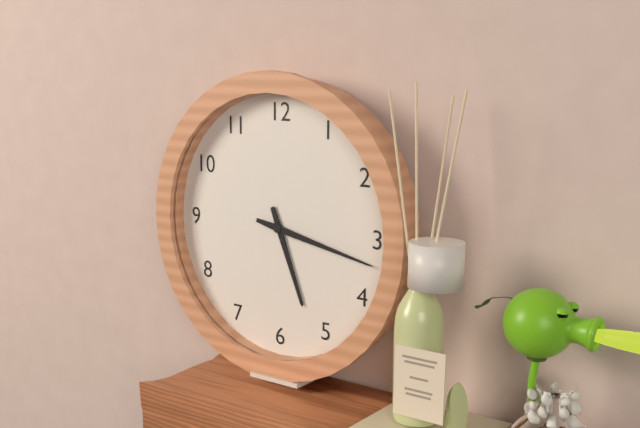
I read 5.17
